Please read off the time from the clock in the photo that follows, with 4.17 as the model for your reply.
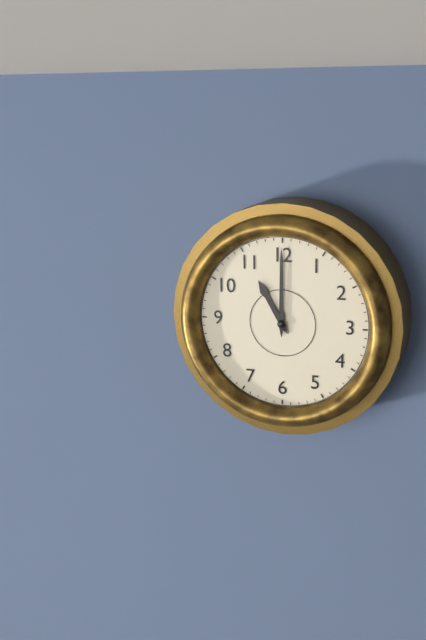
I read 11.00
